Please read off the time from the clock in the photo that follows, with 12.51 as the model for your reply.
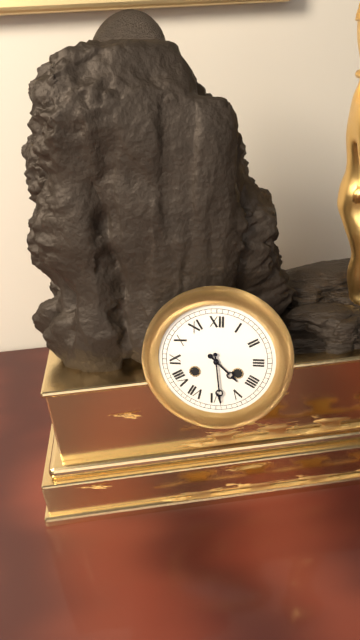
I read 4.29
